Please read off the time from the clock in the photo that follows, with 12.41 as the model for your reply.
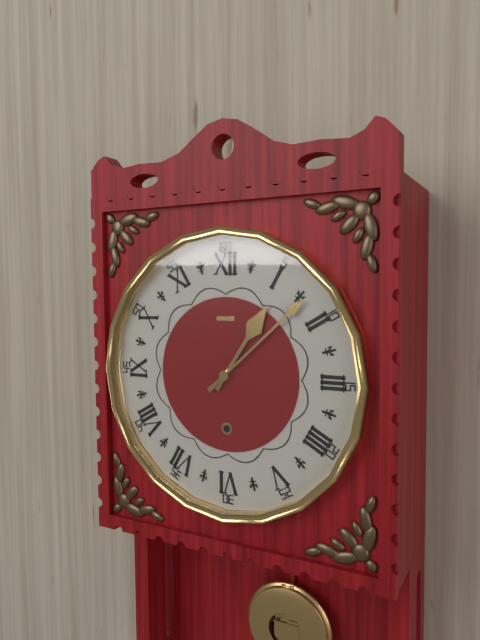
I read 1.08
